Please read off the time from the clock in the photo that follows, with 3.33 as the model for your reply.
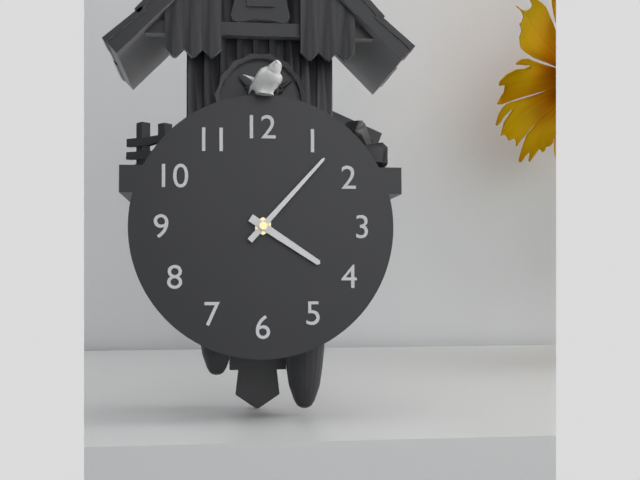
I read 4.07
